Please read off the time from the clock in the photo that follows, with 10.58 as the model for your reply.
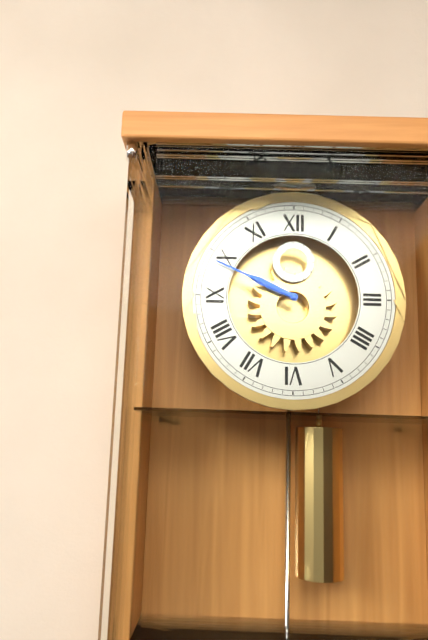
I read 9.49
